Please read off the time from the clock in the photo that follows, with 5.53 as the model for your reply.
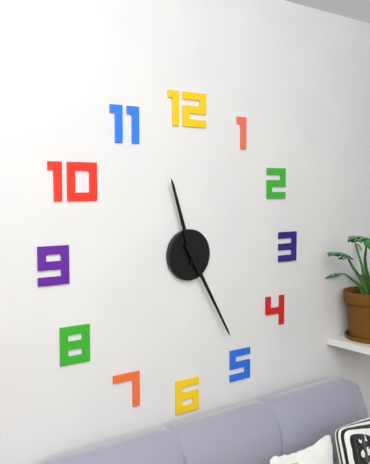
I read 11.25
